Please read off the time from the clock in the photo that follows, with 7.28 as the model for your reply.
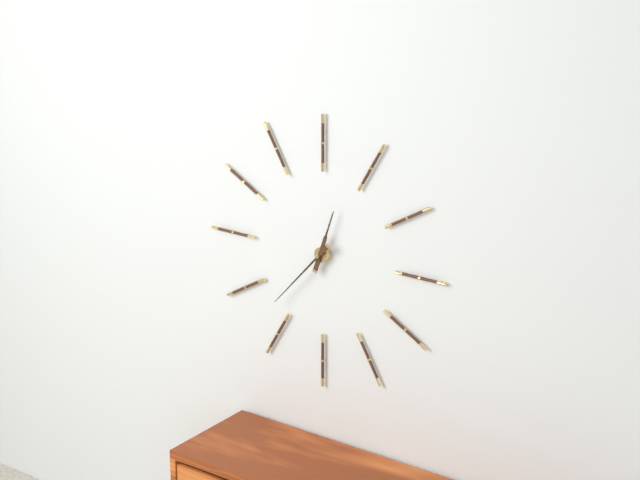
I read 12.37
